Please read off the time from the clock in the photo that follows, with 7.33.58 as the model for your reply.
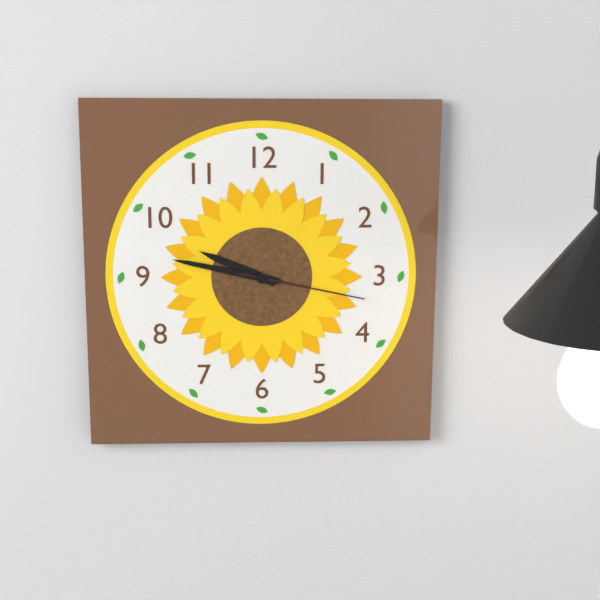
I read 9.47.17
